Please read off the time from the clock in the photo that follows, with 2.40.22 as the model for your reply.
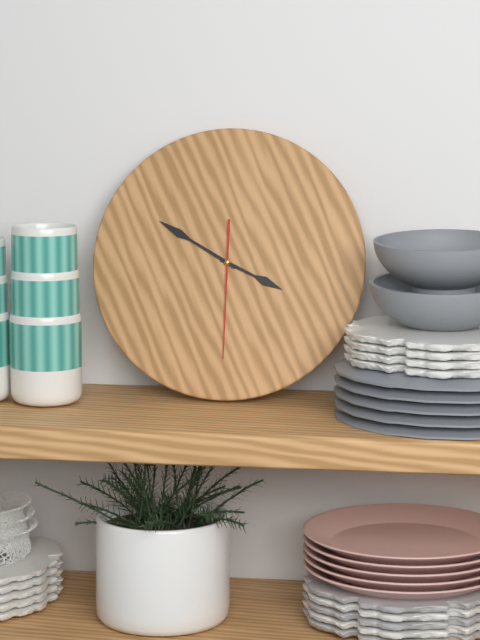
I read 3.50.30
